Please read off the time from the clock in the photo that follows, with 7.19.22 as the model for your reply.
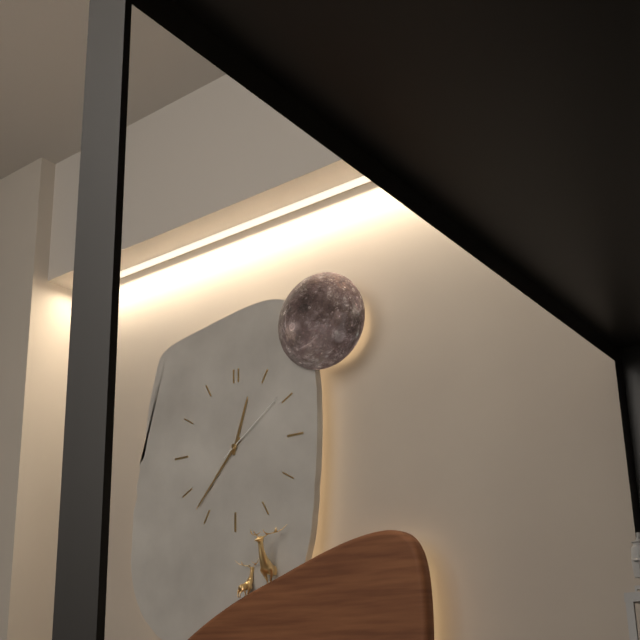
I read 12.37.09
